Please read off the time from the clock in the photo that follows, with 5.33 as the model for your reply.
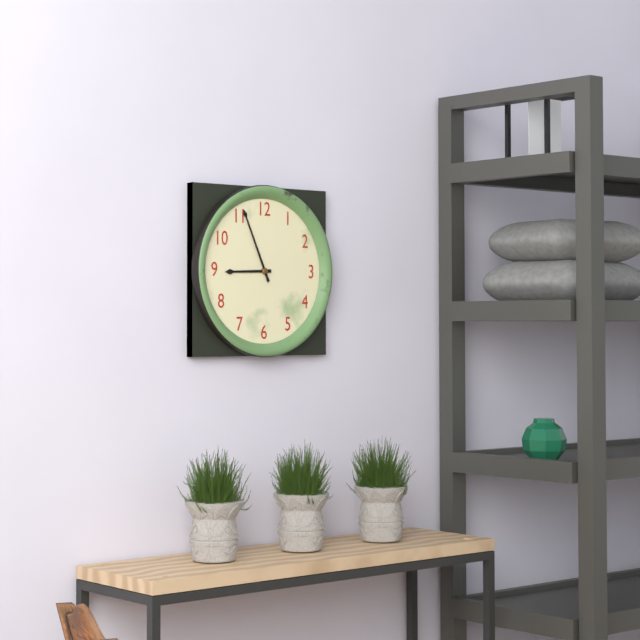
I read 8.56
